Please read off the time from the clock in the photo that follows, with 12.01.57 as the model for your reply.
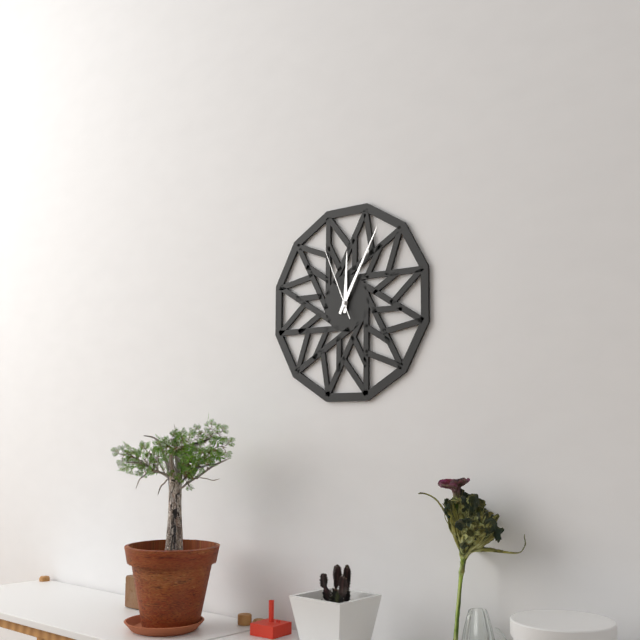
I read 12.05.56
